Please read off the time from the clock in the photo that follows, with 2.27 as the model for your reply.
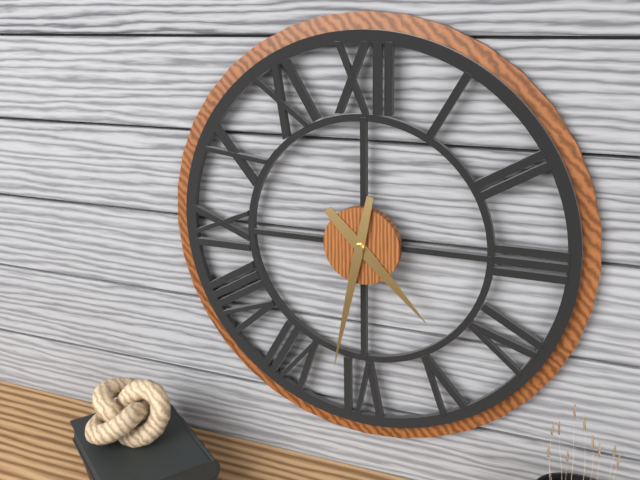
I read 4.32
